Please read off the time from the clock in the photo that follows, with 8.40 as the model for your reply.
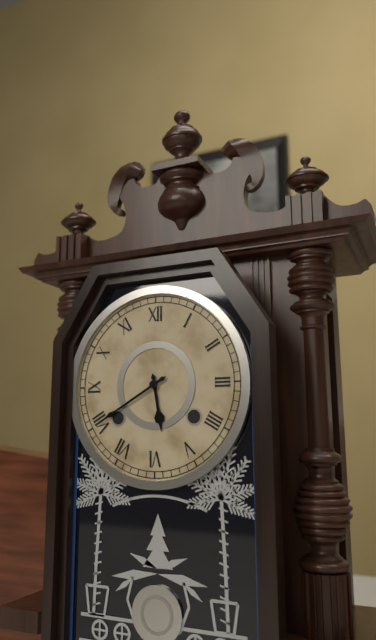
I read 5.40
